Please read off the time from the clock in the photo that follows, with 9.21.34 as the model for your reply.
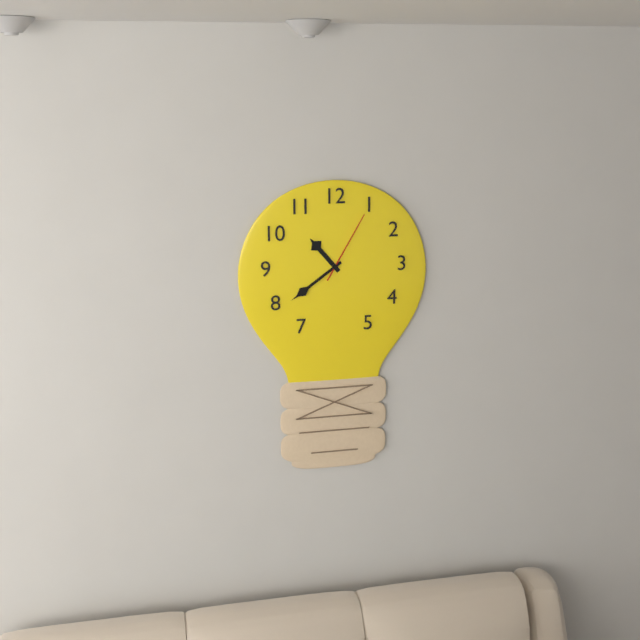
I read 10.39.05
